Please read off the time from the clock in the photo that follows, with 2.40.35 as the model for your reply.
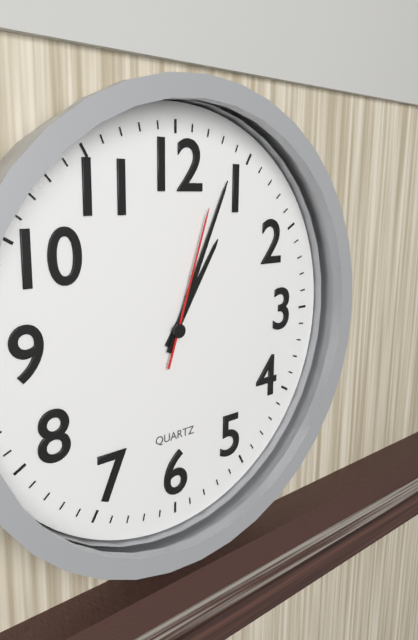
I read 1.04.03
